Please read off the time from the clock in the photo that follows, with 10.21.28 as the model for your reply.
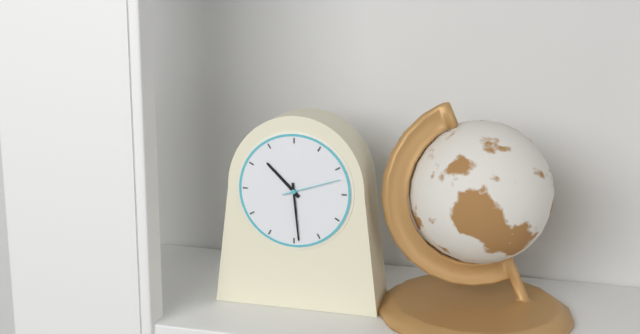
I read 10.29.12
